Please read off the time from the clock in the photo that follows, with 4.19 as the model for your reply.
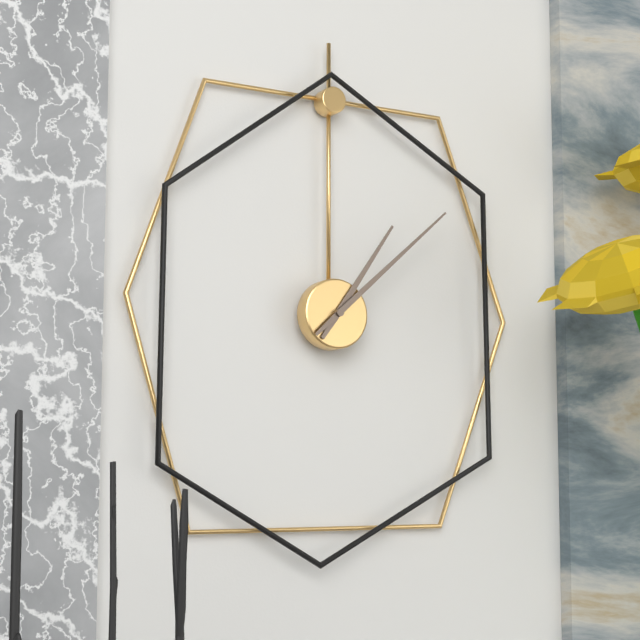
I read 1.08
